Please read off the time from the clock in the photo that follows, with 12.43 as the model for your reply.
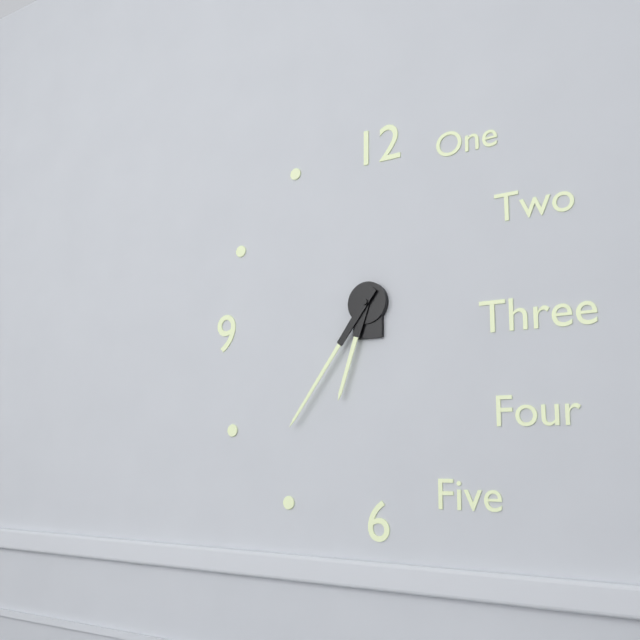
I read 6.36
